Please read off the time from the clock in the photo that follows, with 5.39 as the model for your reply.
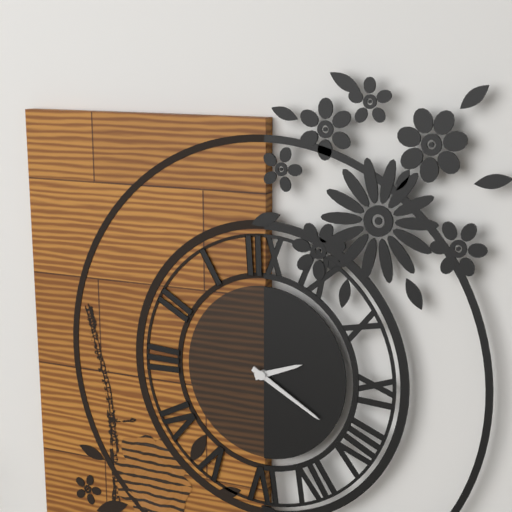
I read 2.20
